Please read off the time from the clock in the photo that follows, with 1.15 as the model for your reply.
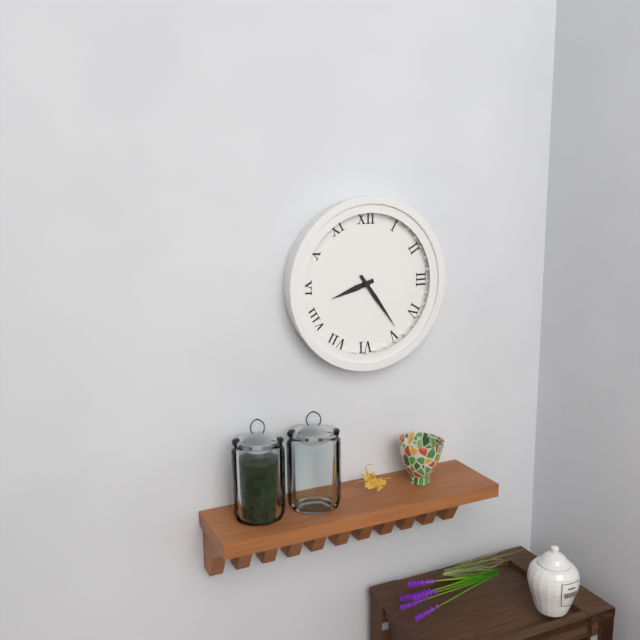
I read 8.24
